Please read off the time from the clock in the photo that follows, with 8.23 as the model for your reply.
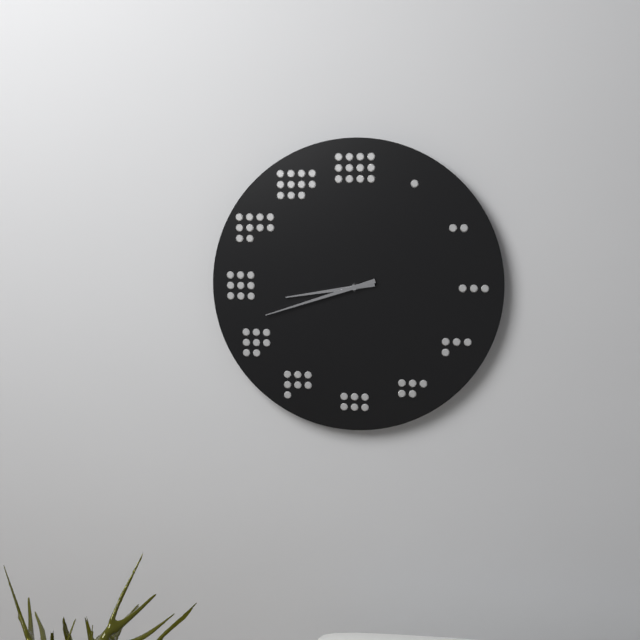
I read 8.42
